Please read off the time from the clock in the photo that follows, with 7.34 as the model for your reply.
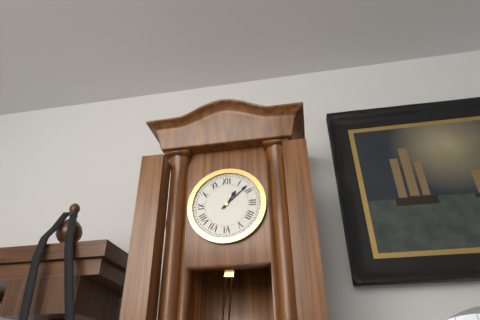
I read 1.08
